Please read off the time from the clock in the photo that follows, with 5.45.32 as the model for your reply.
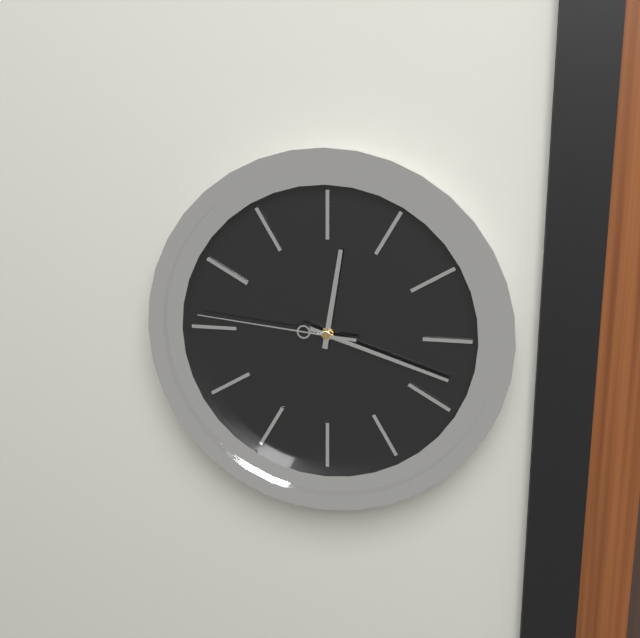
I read 12.18.46
